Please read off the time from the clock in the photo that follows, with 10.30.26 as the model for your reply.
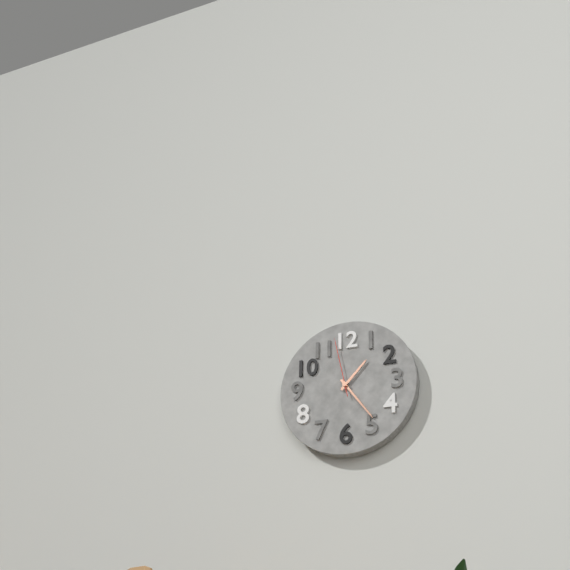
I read 1.24.58
